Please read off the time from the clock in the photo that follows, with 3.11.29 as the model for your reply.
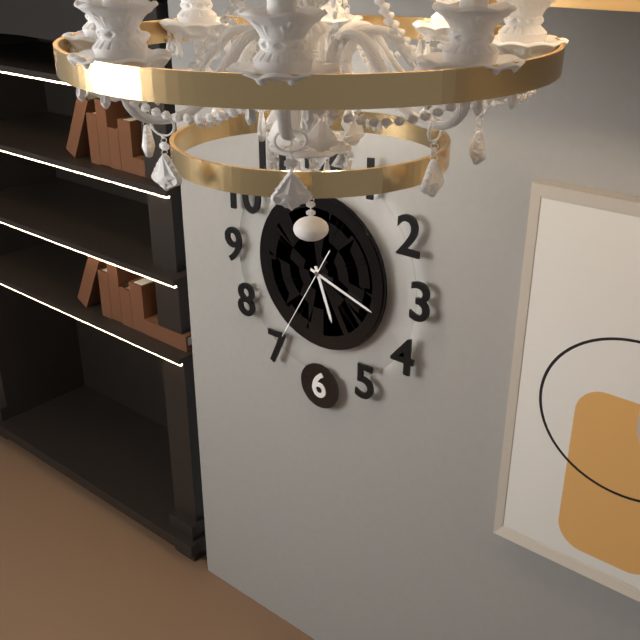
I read 5.18.35
